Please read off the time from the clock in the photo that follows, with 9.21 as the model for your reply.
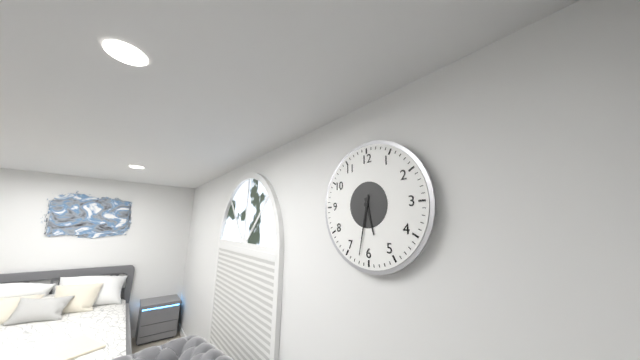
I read 5.32
